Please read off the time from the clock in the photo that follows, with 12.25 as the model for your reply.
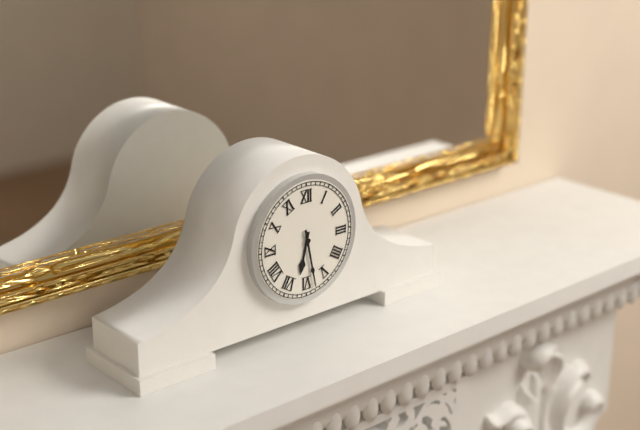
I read 6.28
